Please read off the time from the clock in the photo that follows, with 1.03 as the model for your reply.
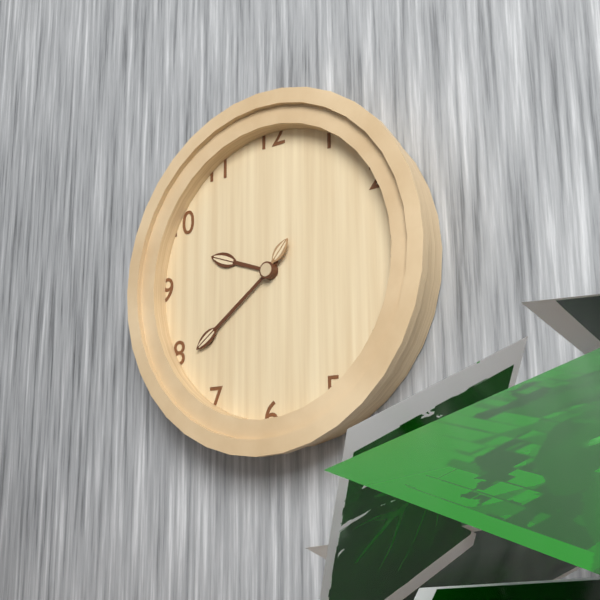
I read 9.39
